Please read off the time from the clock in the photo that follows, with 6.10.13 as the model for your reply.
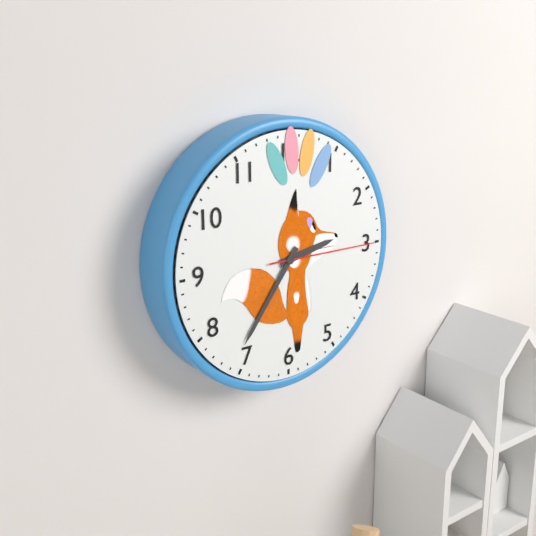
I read 2.36.15
